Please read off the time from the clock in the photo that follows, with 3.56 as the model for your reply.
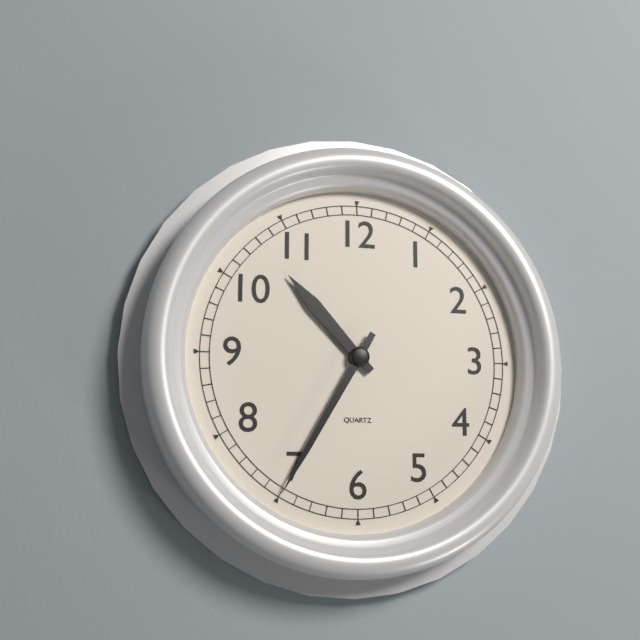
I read 10.35
